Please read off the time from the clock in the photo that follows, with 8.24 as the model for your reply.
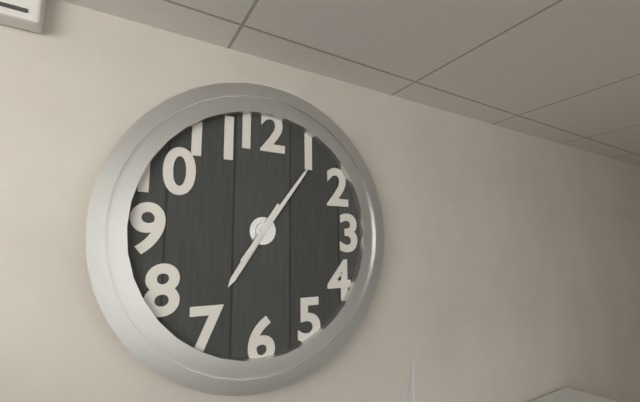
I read 7.06
